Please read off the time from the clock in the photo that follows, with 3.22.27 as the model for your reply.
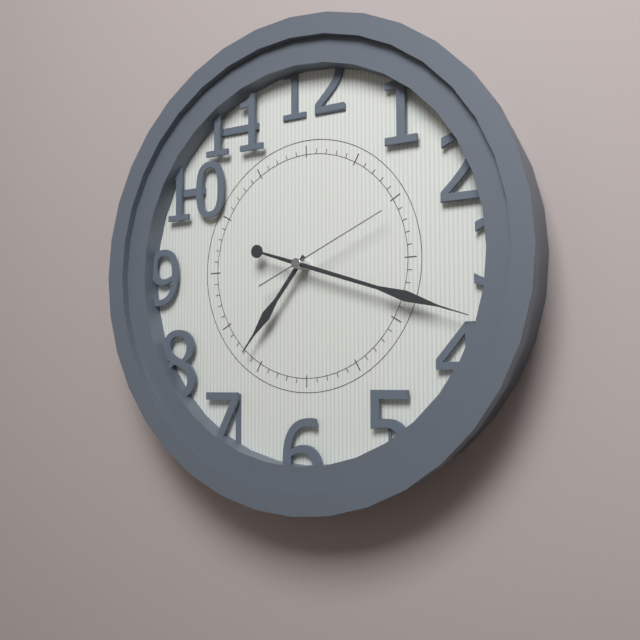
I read 7.18.11
